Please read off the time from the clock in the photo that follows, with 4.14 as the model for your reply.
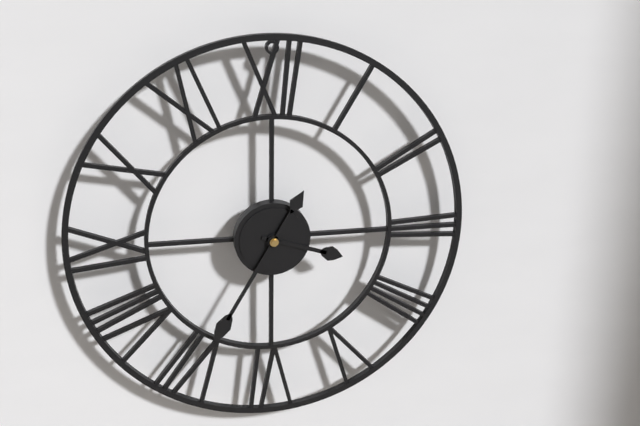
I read 3.35
